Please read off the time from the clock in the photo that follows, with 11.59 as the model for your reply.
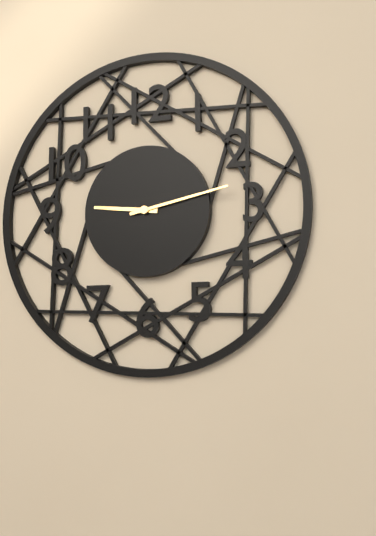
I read 9.13
